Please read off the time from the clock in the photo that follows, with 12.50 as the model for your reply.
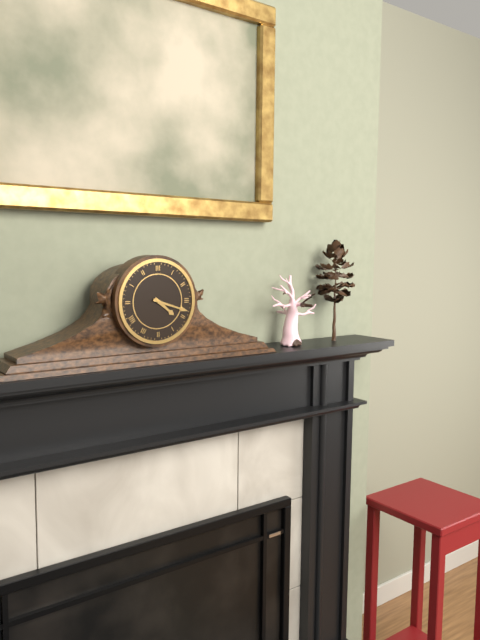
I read 4.18
